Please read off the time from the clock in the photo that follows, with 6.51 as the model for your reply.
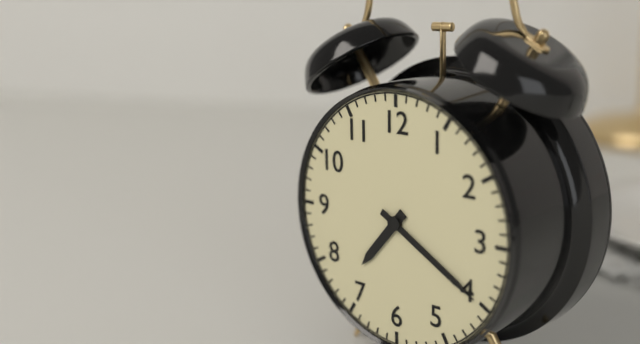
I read 7.20
